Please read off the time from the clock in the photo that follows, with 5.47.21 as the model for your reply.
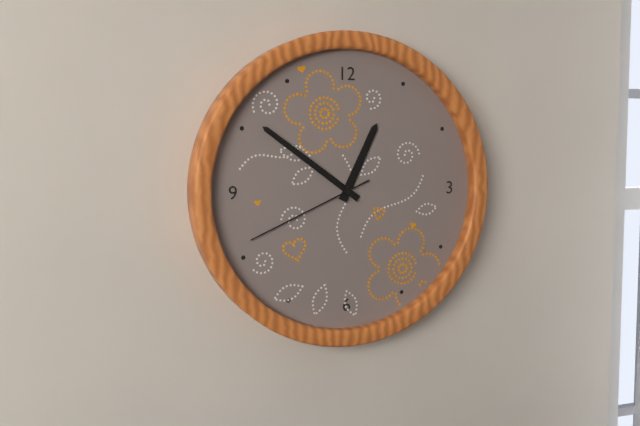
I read 12.51.41
